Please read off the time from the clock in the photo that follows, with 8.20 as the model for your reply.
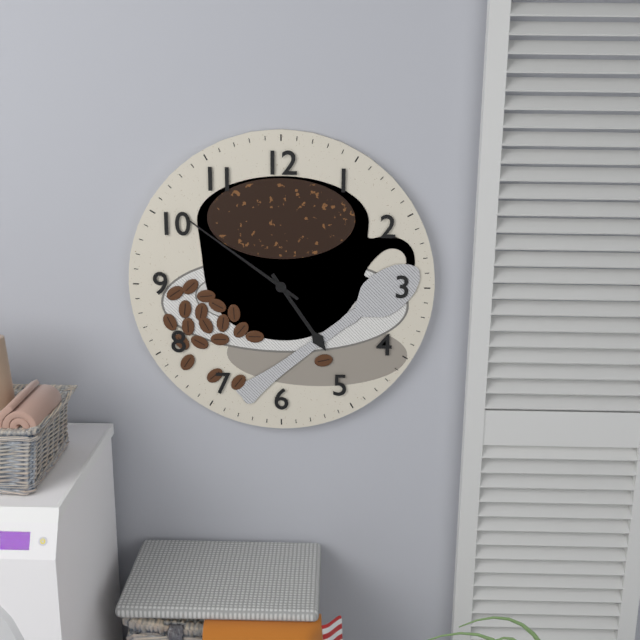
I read 4.51
